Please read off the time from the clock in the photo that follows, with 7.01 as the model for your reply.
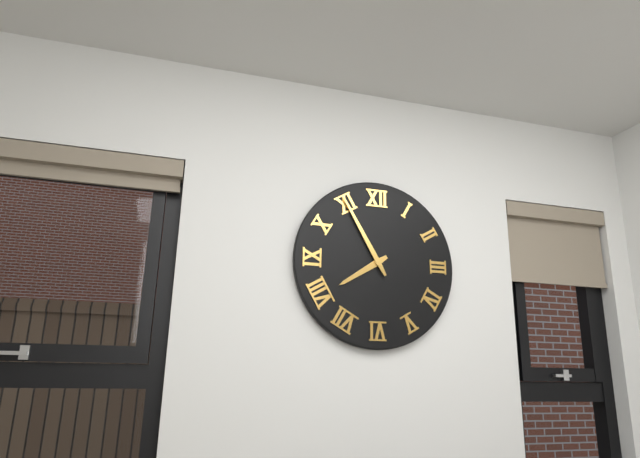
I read 7.55
